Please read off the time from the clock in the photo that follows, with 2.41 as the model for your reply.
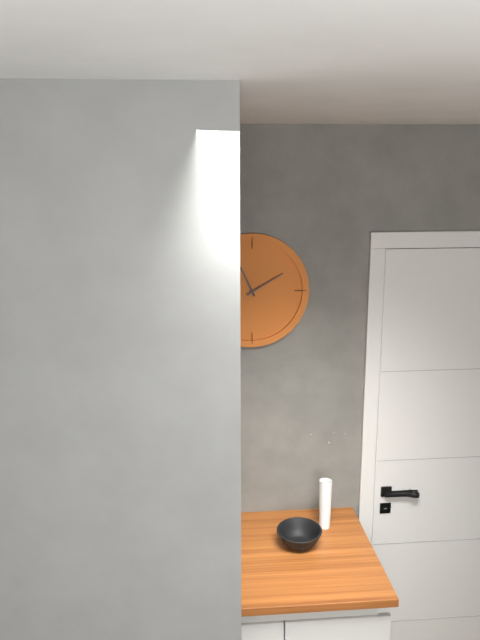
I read 11.10
